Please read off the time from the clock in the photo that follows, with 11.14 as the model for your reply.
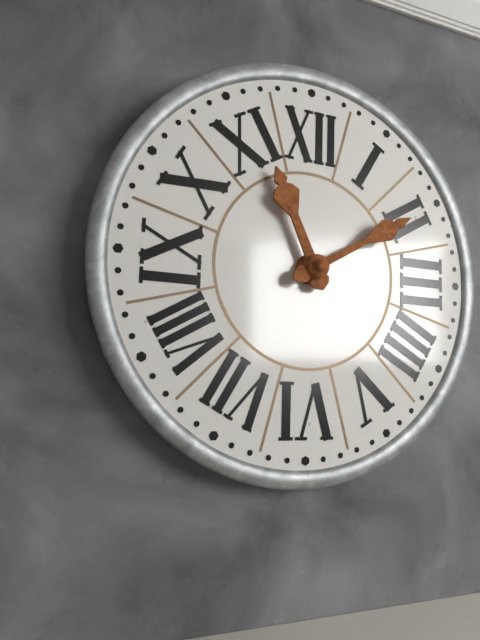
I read 11.10
